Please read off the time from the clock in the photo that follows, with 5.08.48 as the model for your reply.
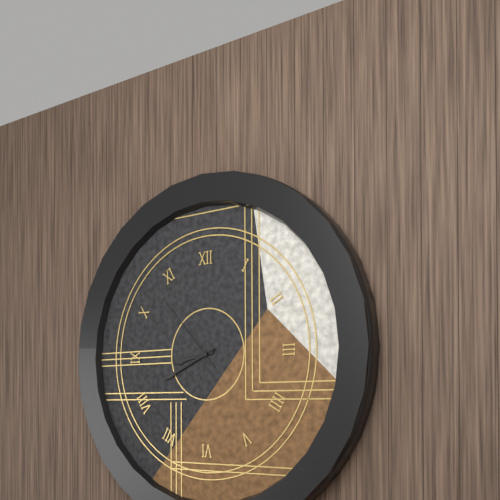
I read 8.41.53
